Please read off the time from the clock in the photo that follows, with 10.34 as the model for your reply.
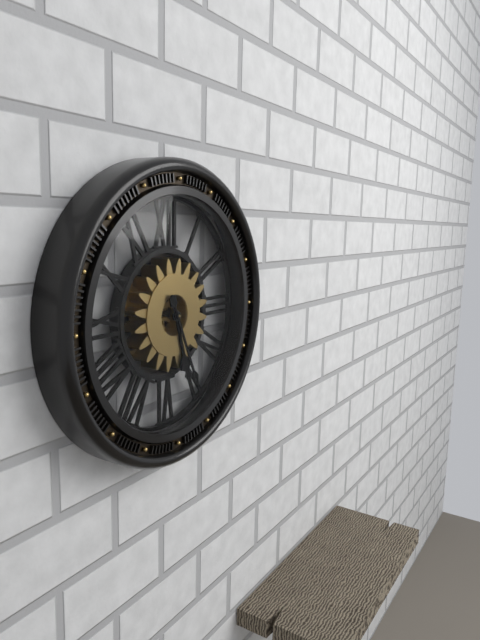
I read 5.26
